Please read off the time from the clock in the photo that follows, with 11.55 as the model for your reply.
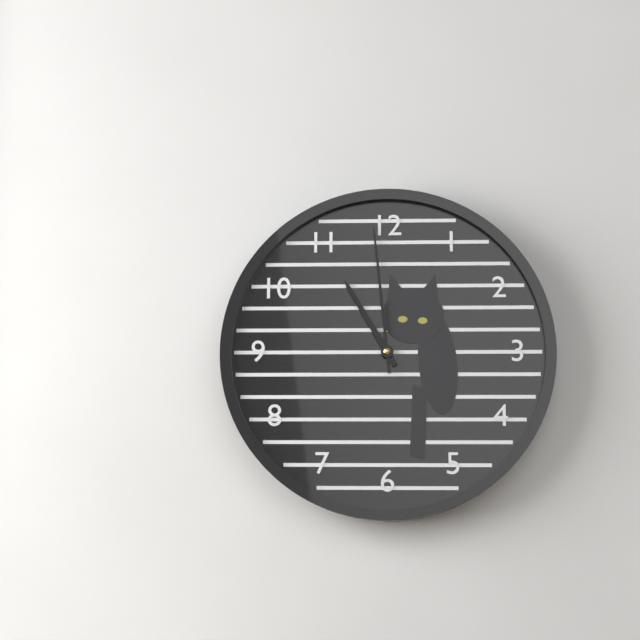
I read 10.59
